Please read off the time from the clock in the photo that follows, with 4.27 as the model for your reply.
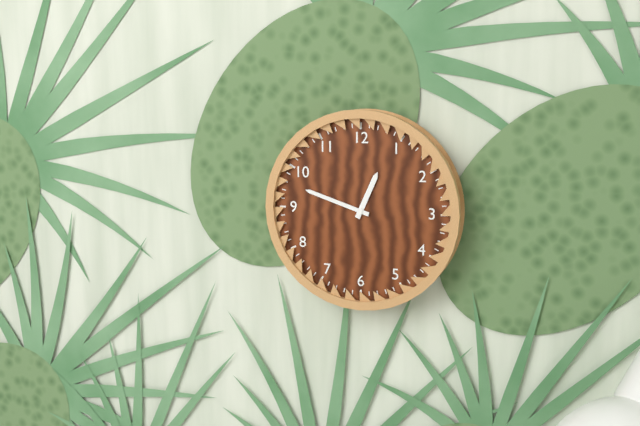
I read 12.48
